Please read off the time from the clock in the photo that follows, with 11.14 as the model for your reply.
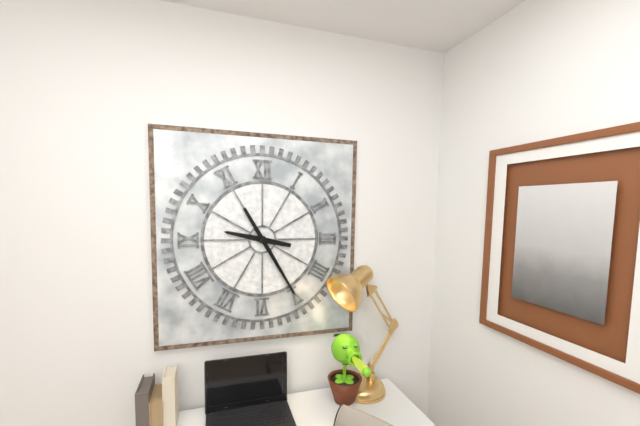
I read 9.25
